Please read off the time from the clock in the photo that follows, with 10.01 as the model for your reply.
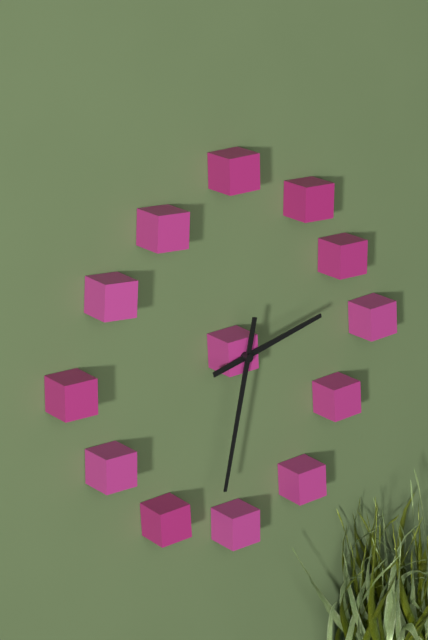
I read 2.32
